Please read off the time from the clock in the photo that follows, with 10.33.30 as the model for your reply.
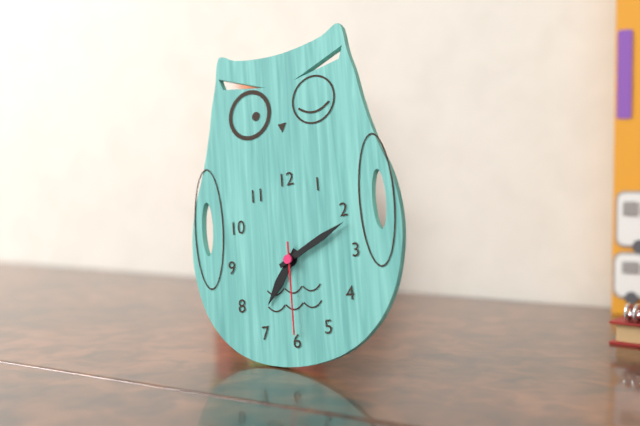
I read 7.11.30
